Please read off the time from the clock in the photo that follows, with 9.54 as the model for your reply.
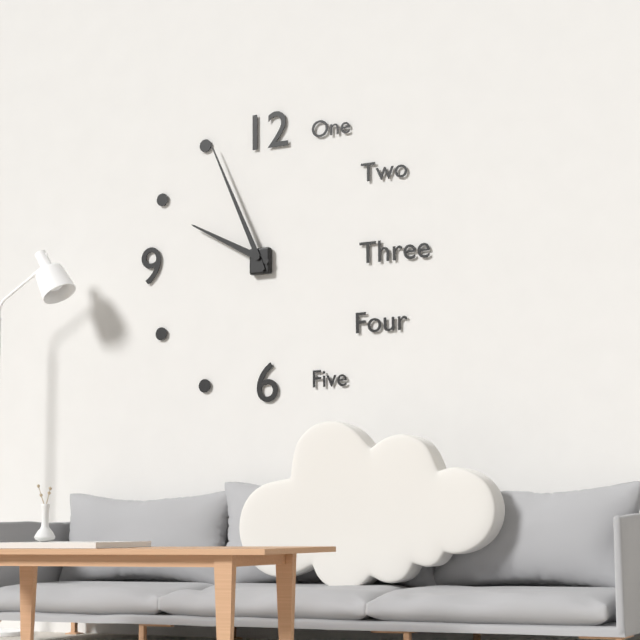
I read 9.56
